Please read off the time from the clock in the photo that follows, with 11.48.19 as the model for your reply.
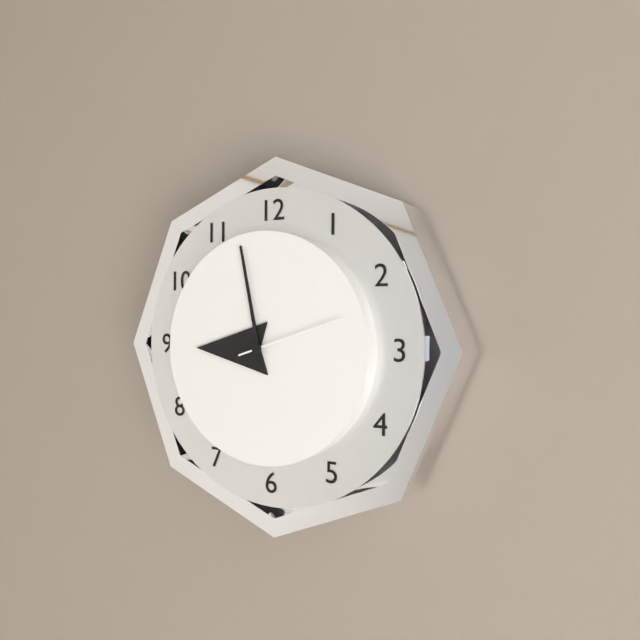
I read 8.58.12
